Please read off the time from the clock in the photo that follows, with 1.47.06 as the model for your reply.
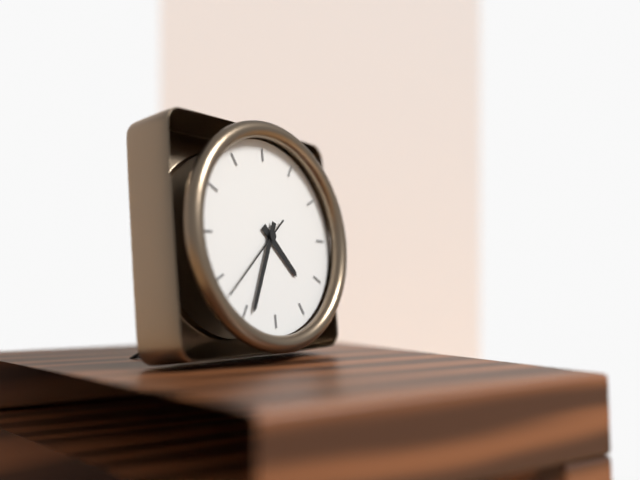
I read 4.34.38
